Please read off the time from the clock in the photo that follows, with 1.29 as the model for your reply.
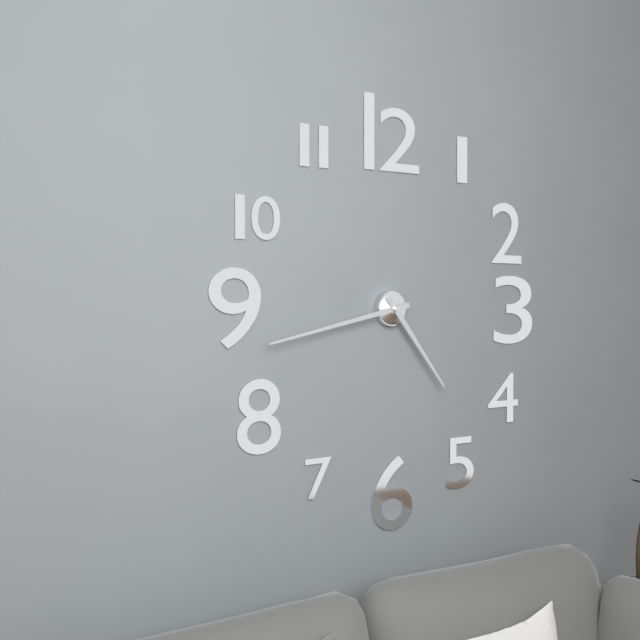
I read 4.43
